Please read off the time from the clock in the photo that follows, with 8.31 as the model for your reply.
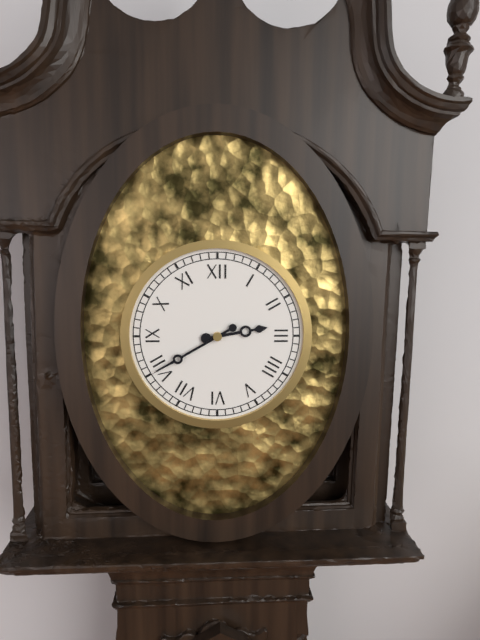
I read 2.40
